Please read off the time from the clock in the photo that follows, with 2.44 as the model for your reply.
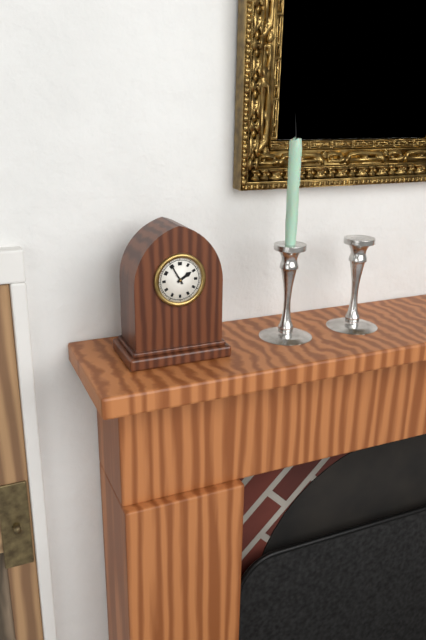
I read 1.55
